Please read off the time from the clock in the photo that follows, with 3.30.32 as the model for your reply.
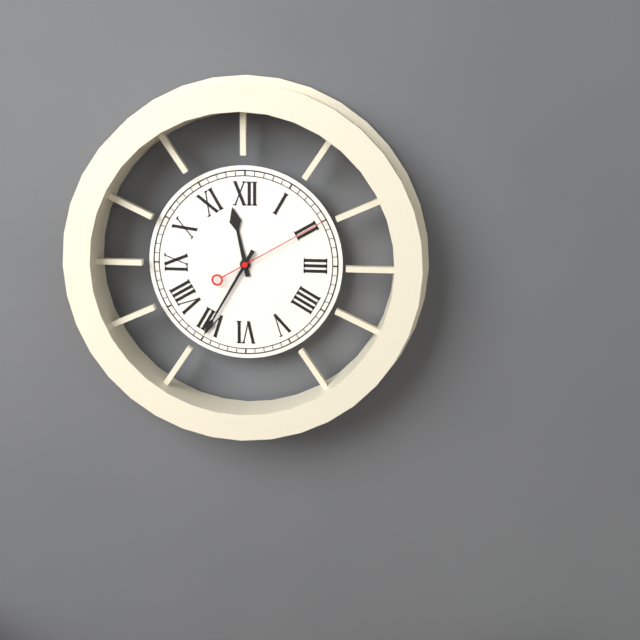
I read 11.35.10
